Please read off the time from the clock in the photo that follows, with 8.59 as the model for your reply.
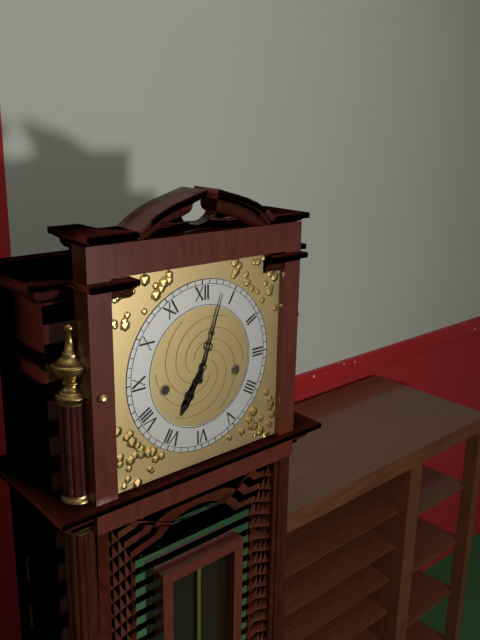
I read 7.03
